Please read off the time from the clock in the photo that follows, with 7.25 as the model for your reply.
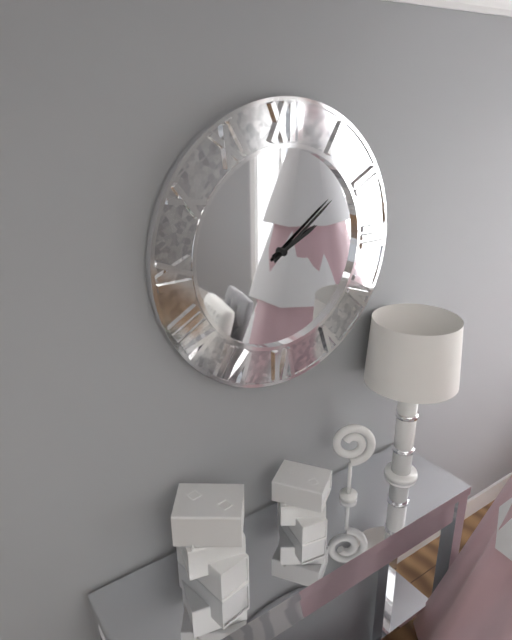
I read 2.09
